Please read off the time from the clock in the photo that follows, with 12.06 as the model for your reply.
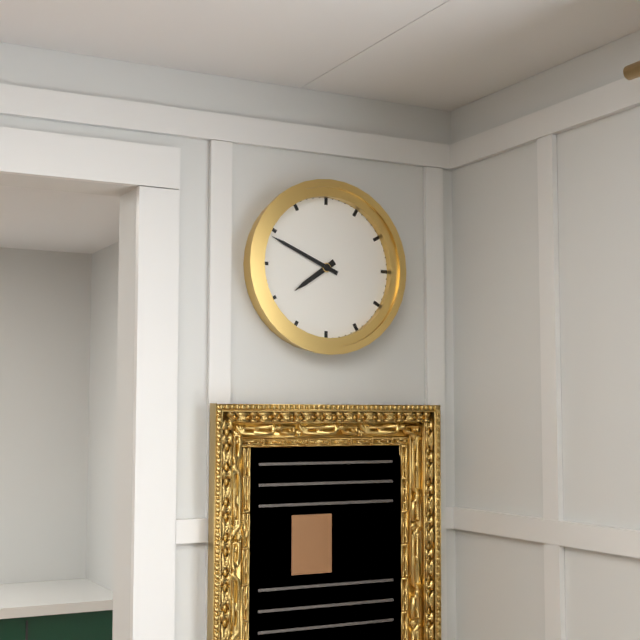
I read 7.49
